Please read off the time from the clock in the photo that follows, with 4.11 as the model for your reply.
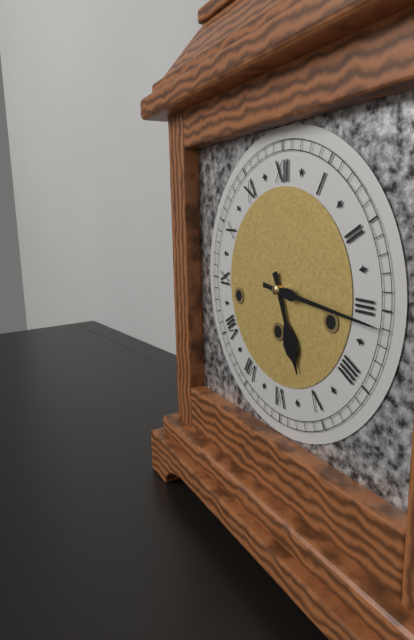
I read 5.16
